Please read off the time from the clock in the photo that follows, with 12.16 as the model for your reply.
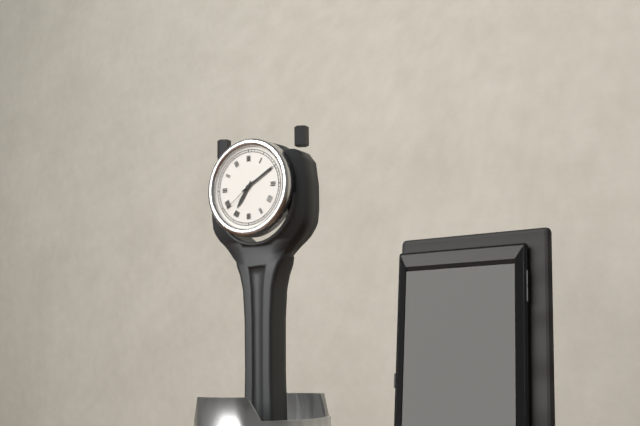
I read 7.10
